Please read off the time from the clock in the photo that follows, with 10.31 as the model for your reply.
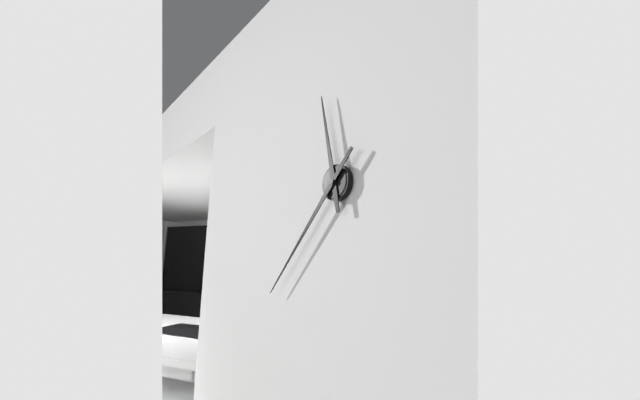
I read 11.37
